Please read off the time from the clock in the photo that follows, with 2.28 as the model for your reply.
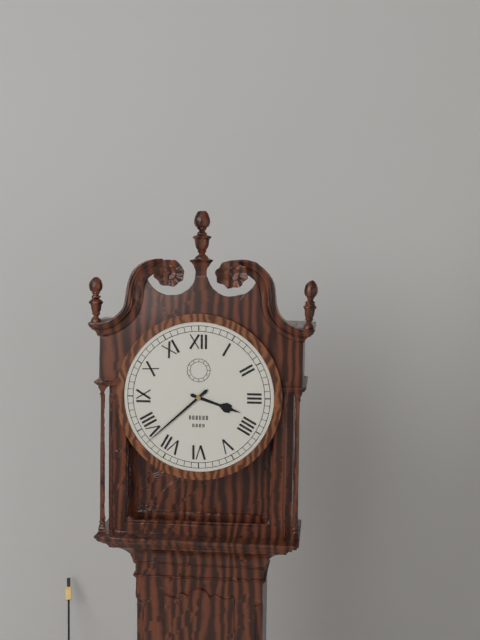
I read 3.38
